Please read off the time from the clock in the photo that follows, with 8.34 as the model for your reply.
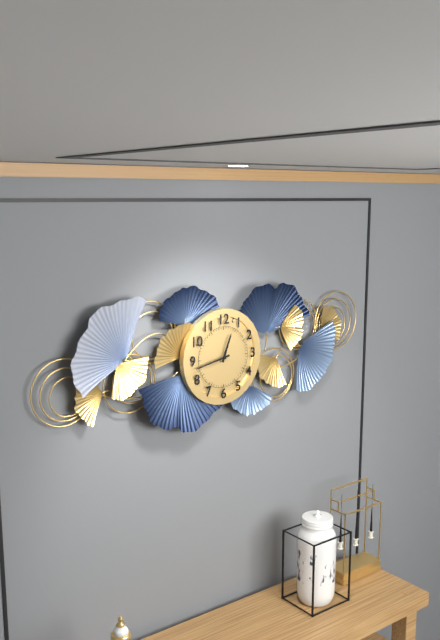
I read 12.43
